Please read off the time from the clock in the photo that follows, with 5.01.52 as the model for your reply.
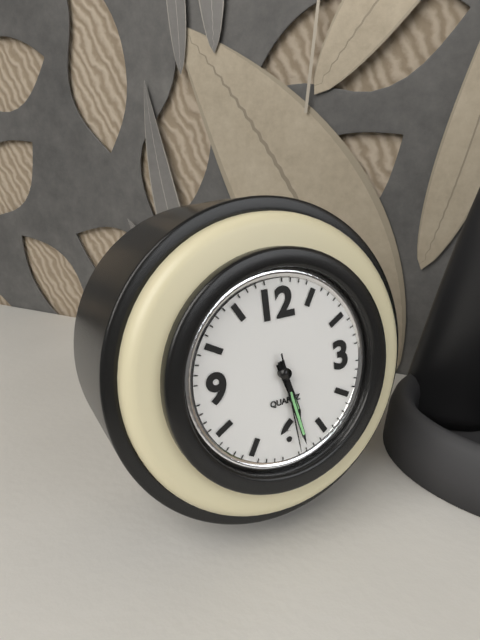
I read 5.28.29
